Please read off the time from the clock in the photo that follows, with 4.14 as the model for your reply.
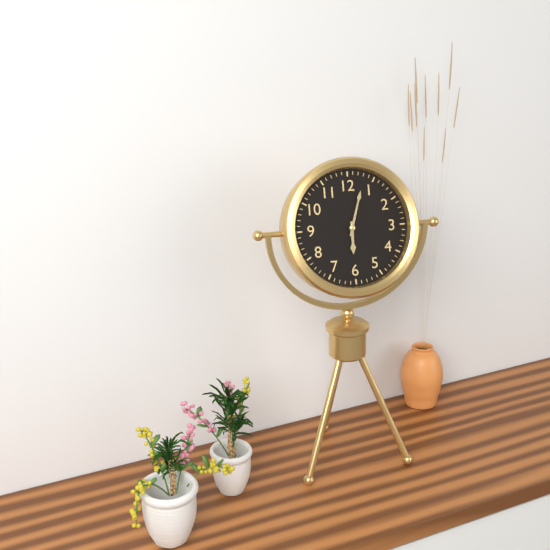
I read 6.03
